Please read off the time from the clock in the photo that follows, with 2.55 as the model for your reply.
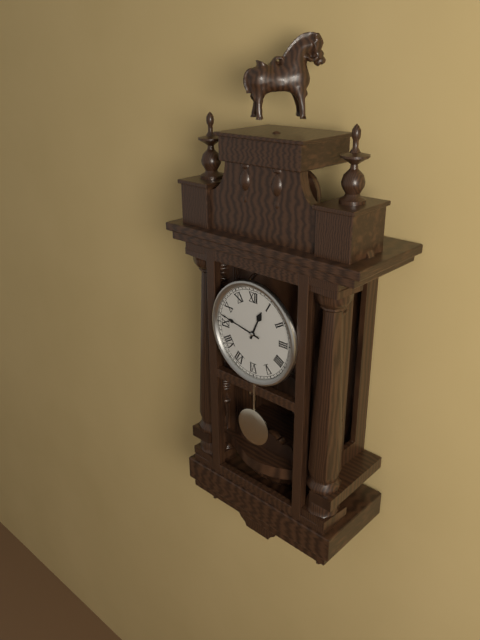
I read 12.47
